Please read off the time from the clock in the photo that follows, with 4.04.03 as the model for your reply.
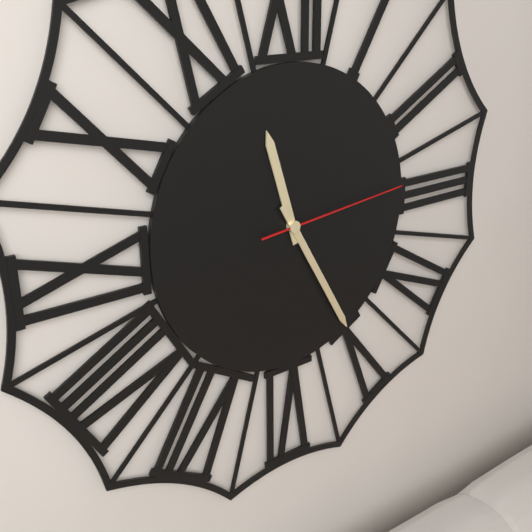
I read 11.25.14
